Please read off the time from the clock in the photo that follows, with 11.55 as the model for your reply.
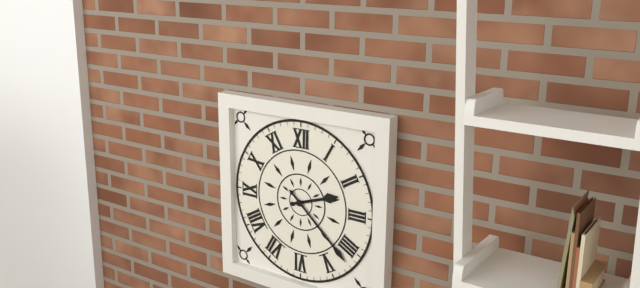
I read 2.22
